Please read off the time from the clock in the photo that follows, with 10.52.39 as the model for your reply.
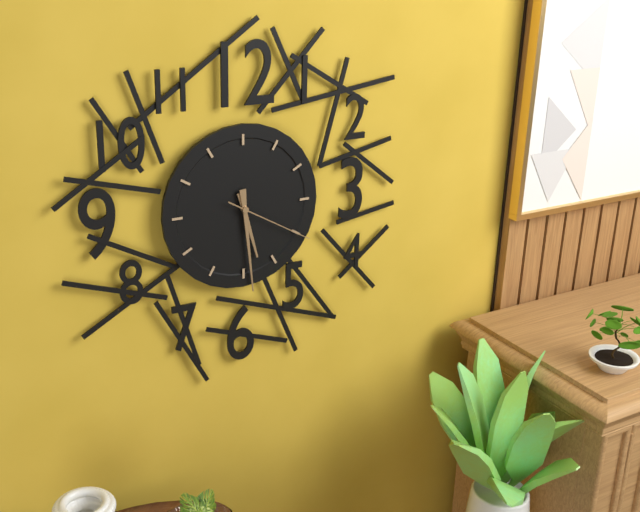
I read 5.29.20
